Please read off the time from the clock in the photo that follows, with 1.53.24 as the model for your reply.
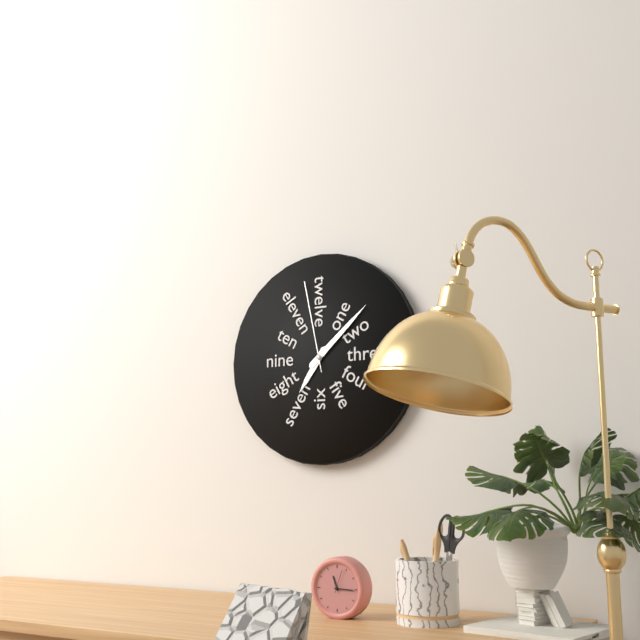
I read 7.08.58
